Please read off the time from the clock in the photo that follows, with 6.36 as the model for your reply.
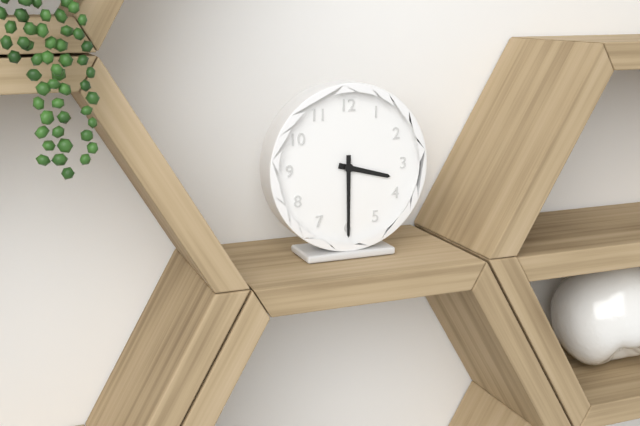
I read 3.30
